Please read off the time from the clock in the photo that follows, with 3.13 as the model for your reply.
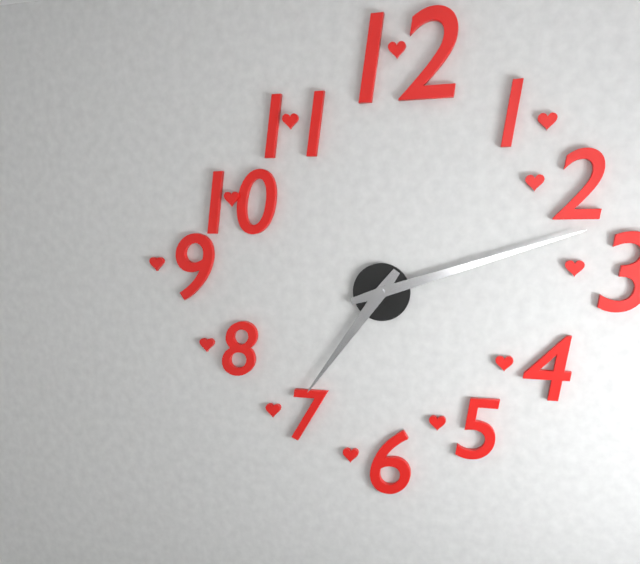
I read 7.12
